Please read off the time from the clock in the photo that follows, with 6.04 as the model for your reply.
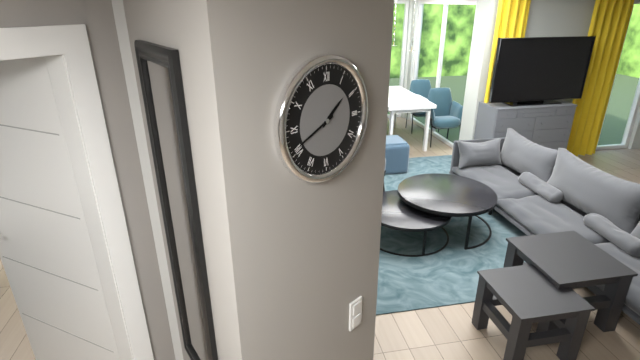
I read 1.41
